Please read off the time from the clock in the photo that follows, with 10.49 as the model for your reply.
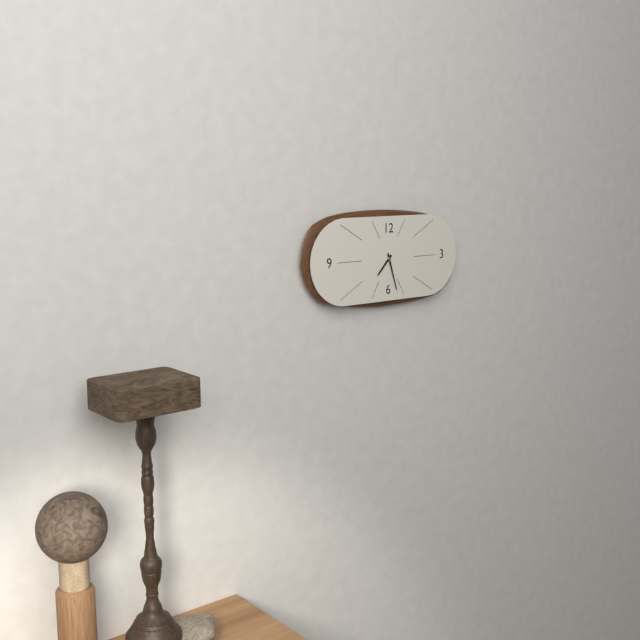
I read 7.27
